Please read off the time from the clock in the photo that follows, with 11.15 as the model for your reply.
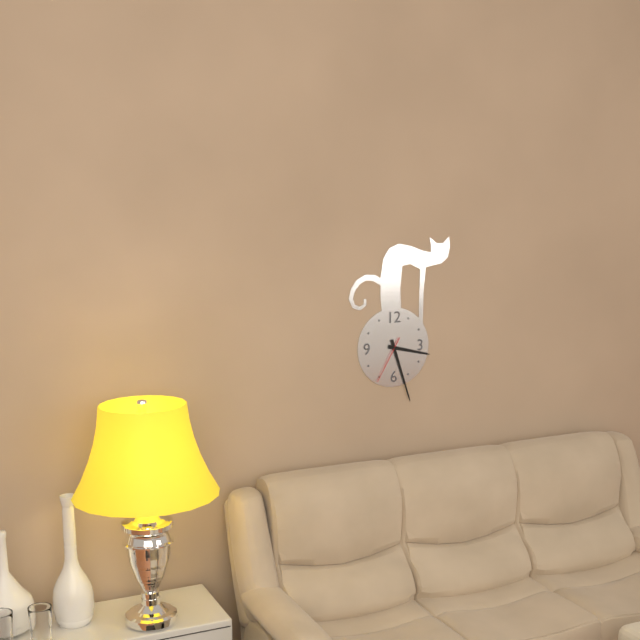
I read 3.27
